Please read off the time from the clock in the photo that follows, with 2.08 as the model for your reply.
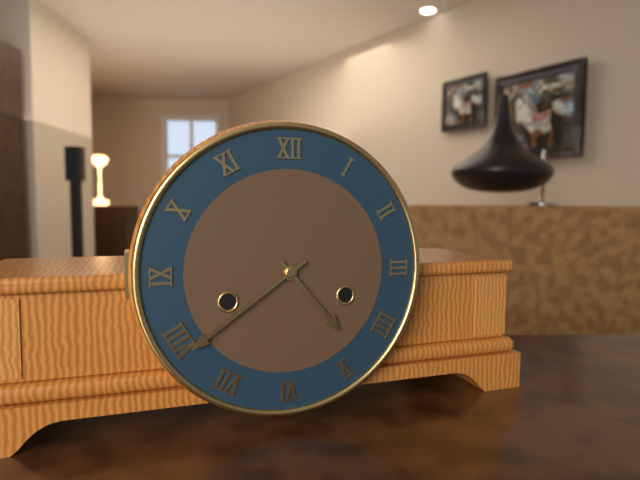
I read 4.39
